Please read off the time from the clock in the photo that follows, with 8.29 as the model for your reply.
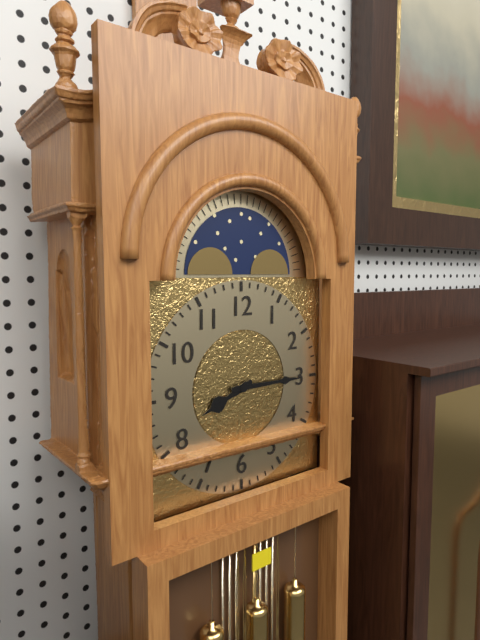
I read 8.15
